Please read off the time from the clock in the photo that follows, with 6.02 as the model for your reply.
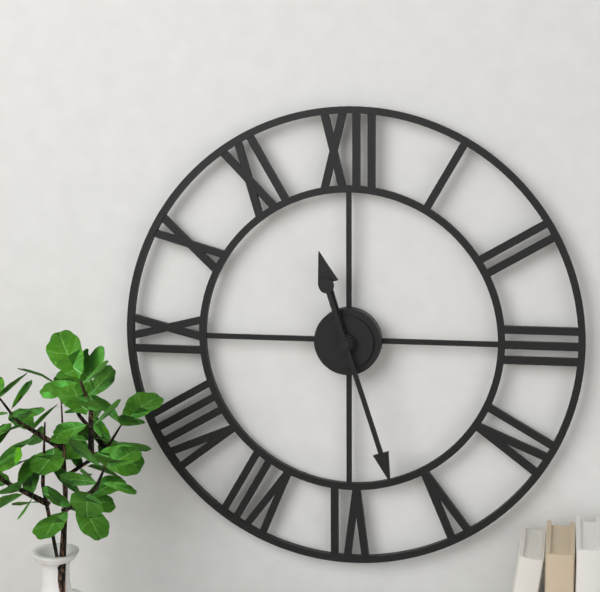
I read 11.27
